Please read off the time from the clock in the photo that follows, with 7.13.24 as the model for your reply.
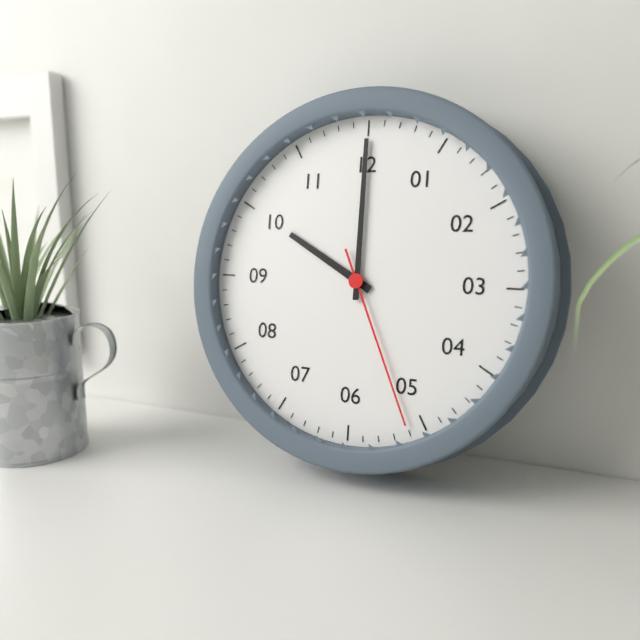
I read 10.00.26
